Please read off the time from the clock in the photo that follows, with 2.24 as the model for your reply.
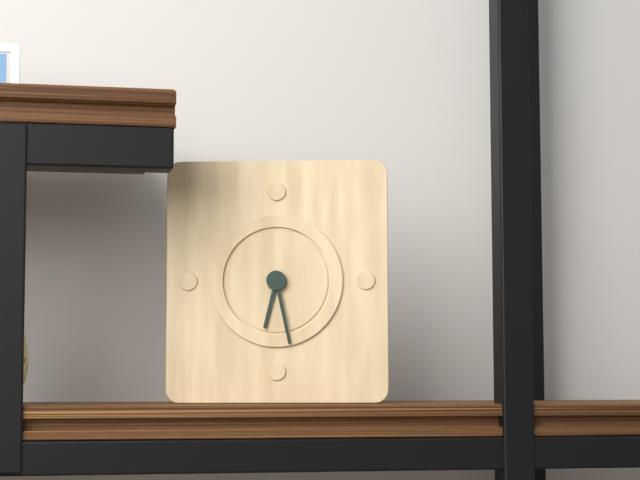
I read 6.28
